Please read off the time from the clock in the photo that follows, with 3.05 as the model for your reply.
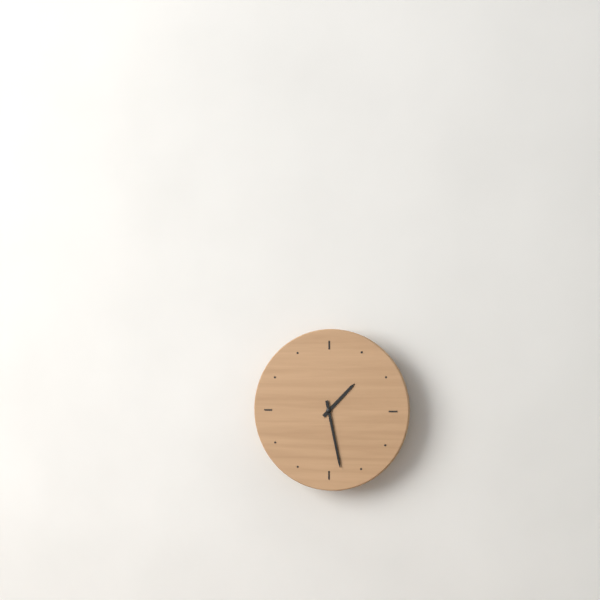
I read 1.28
